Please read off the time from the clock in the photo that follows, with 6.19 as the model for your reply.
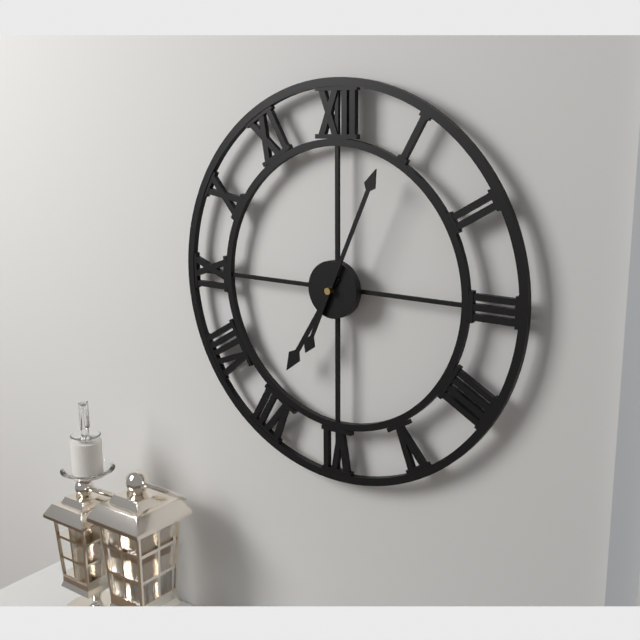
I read 7.04
